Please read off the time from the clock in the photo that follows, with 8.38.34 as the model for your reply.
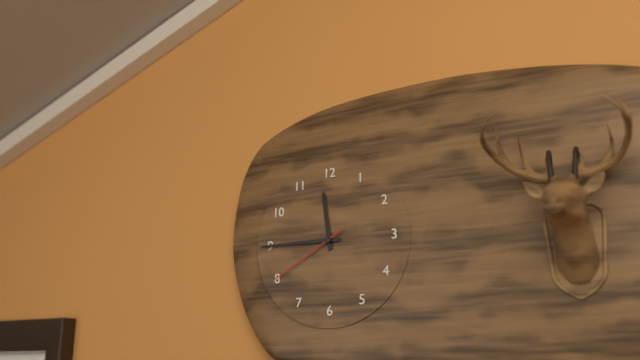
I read 11.45.40
